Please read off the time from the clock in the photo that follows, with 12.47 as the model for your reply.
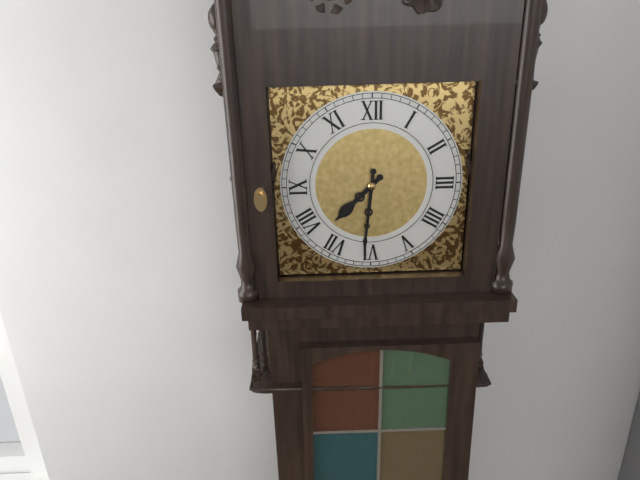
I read 7.31
